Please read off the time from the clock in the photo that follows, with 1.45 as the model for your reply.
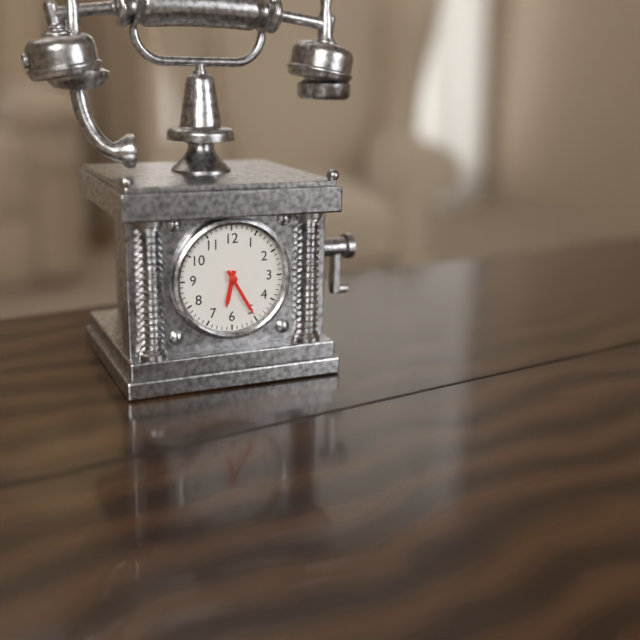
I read 6.25
